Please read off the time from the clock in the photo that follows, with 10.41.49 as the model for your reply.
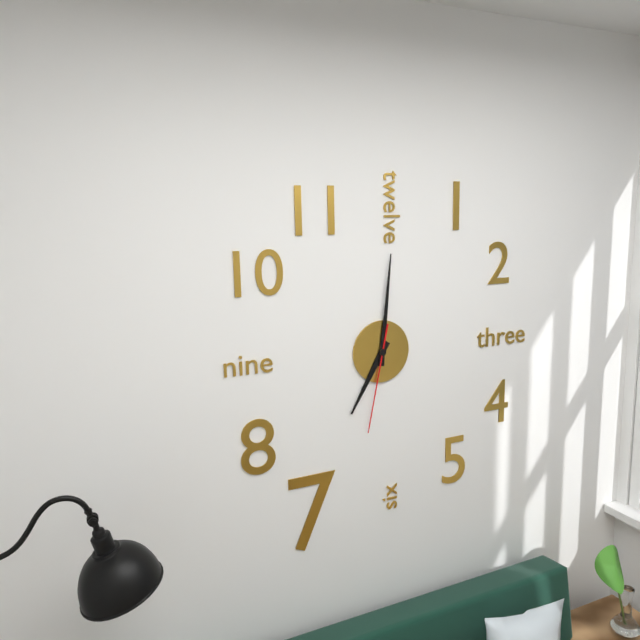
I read 7.01.32
